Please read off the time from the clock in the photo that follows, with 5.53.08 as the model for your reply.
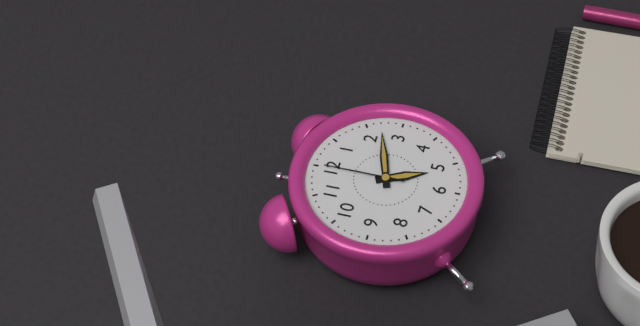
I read 5.12.00
